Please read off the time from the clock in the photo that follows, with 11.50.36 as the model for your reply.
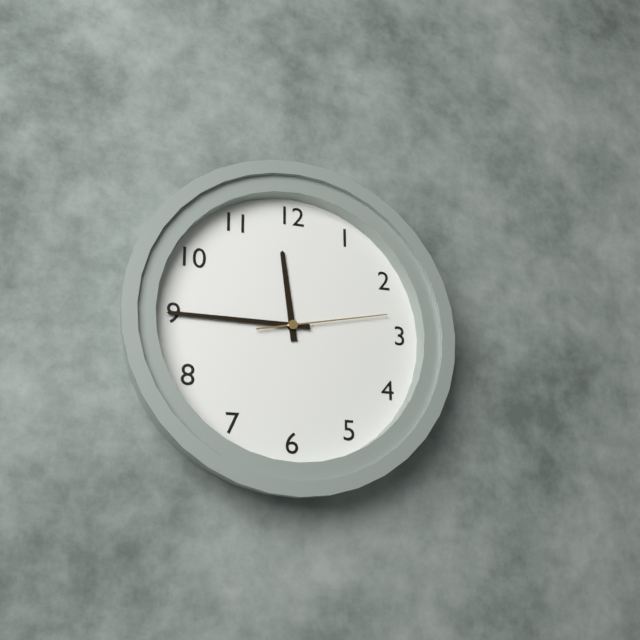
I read 11.45.13
